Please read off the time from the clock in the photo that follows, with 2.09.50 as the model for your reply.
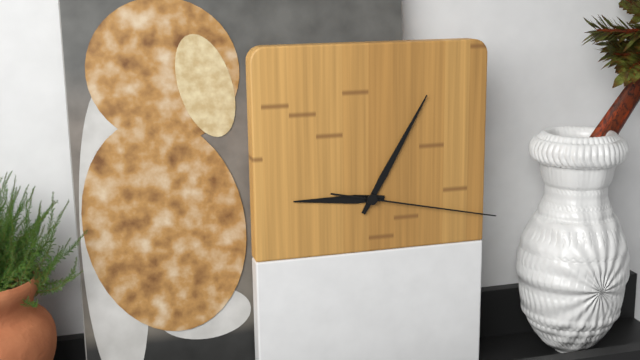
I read 9.05.17
